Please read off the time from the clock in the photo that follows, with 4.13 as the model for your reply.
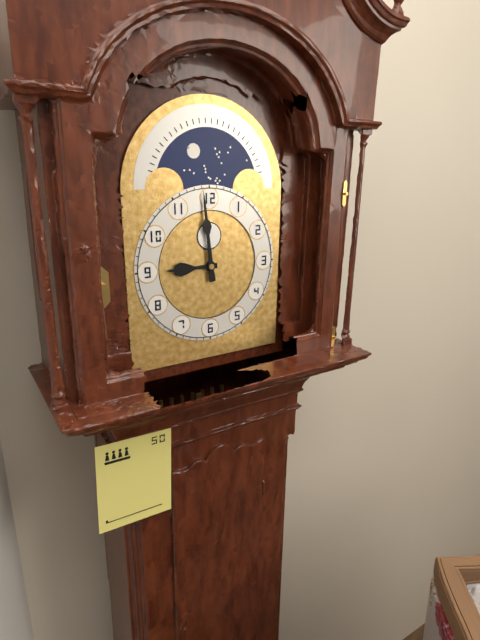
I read 8.59
